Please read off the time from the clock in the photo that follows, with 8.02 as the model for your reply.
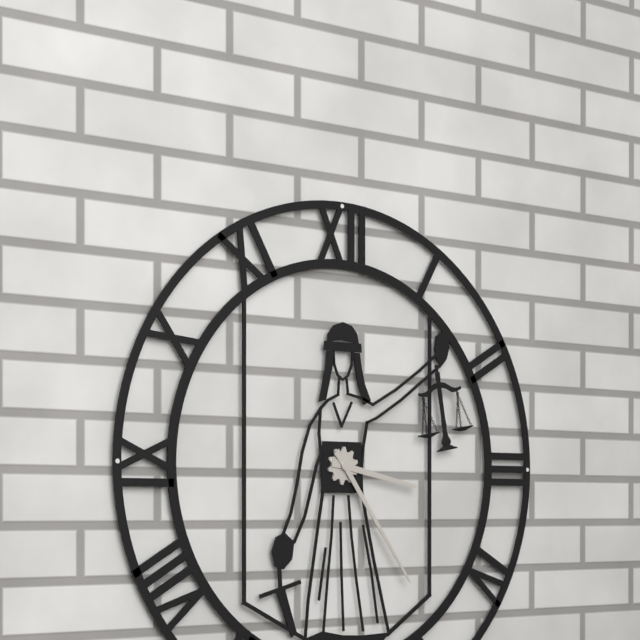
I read 3.24
